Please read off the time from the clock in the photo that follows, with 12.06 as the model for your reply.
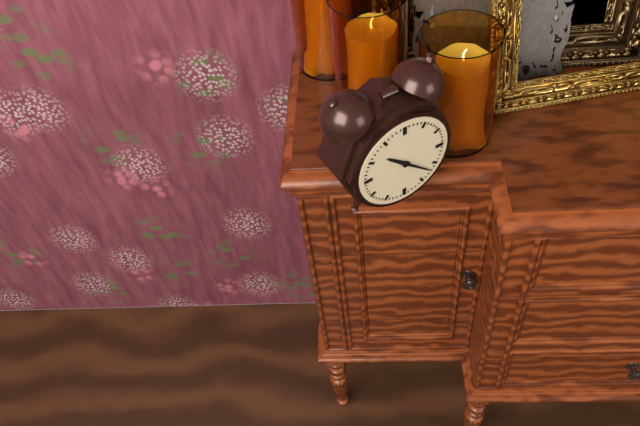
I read 10.22
